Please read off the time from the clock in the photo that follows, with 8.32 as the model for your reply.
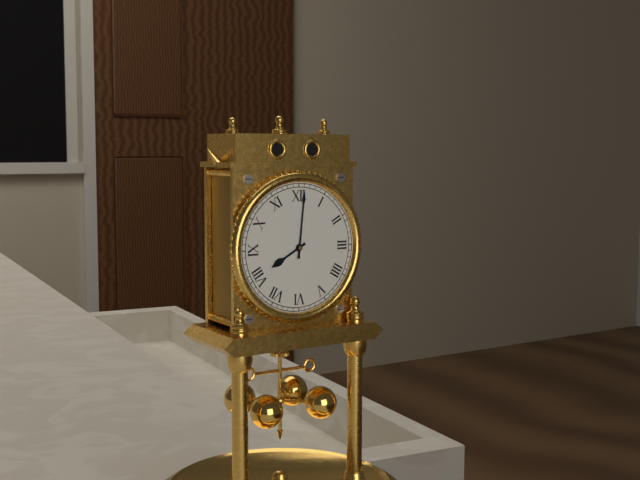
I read 8.01
